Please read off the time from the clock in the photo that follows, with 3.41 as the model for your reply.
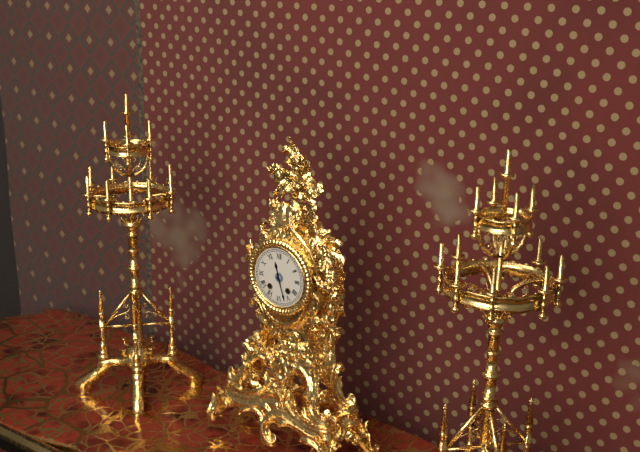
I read 11.27
